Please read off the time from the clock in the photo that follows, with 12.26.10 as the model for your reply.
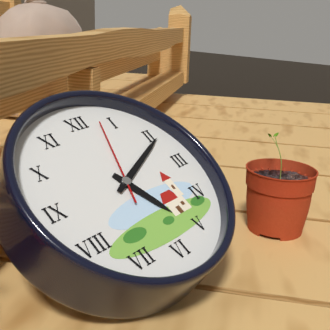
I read 5.11.03
